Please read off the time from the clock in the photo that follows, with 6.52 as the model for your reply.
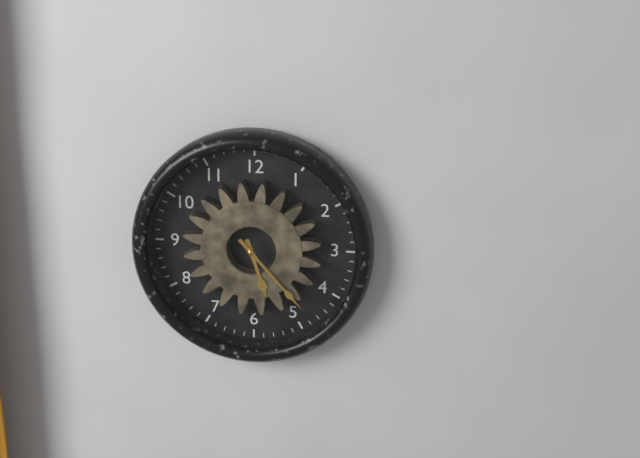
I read 5.23
